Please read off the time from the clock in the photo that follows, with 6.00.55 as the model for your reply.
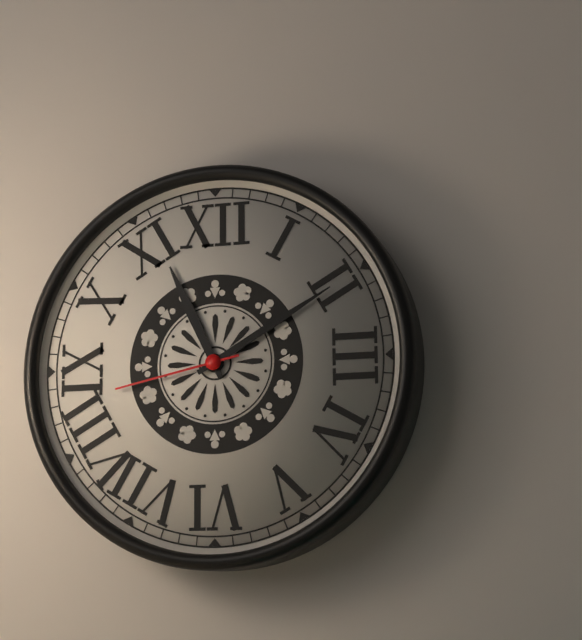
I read 11.10.43
